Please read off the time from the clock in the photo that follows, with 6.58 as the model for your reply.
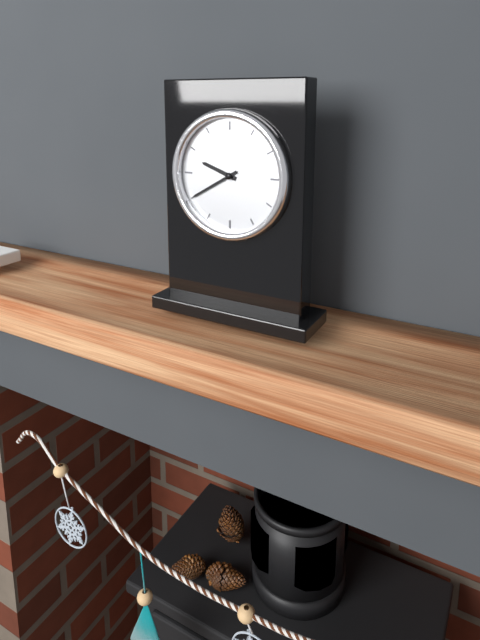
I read 9.40
